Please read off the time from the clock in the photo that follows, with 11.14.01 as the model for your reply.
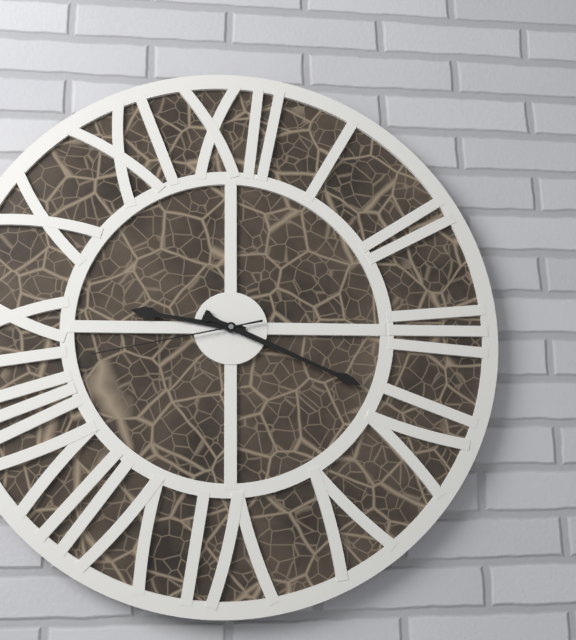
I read 9.19.43
